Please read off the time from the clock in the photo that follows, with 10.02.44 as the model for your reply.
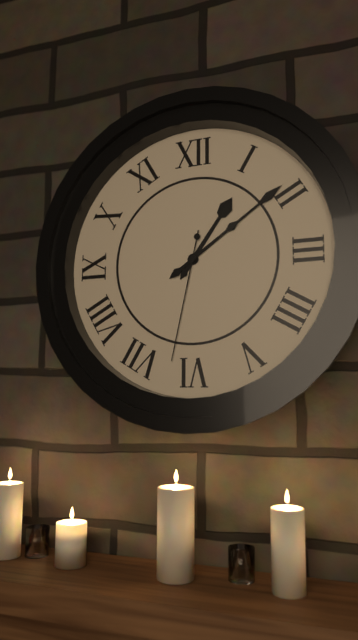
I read 1.09.32
